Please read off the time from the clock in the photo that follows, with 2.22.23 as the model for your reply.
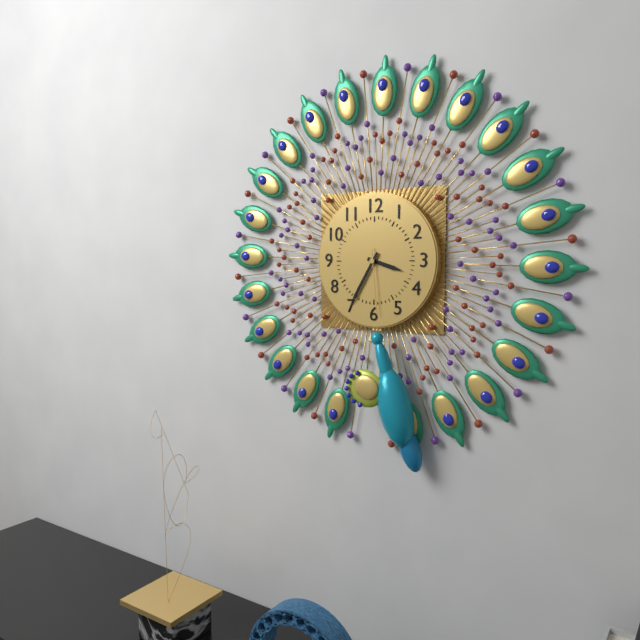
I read 3.35.29
